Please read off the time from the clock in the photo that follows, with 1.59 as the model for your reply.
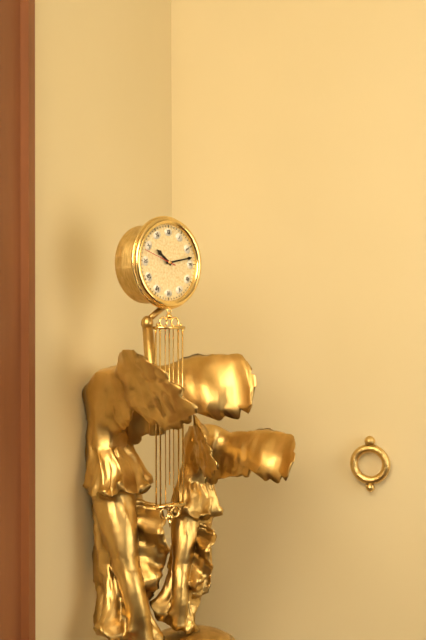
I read 10.13
